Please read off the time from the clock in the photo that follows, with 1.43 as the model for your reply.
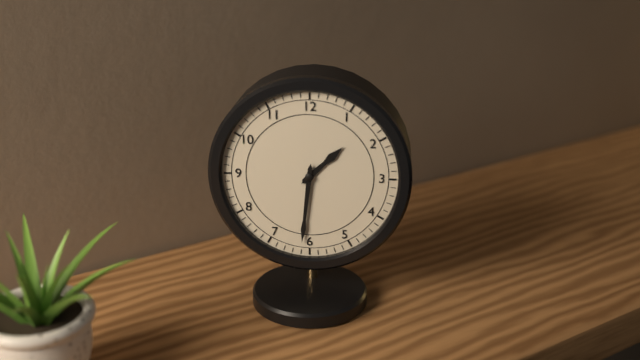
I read 1.31
